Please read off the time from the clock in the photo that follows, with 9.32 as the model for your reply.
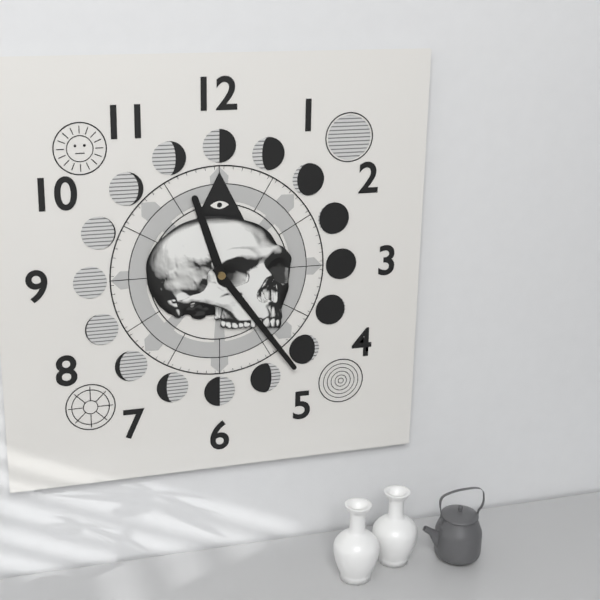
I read 11.24
